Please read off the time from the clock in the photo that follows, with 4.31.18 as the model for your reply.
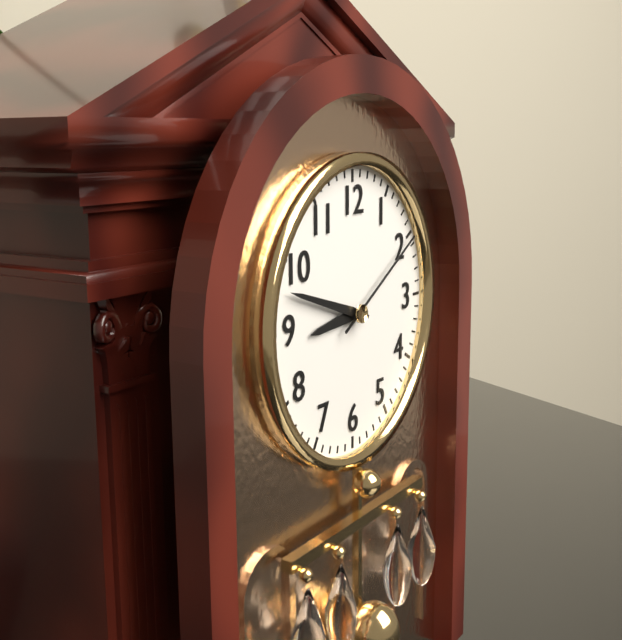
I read 8.48.10
